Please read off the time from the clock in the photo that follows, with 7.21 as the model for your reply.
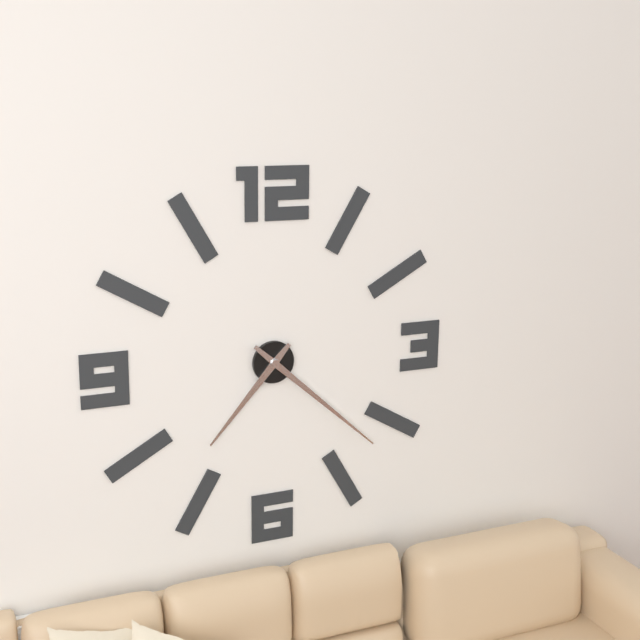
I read 7.22
